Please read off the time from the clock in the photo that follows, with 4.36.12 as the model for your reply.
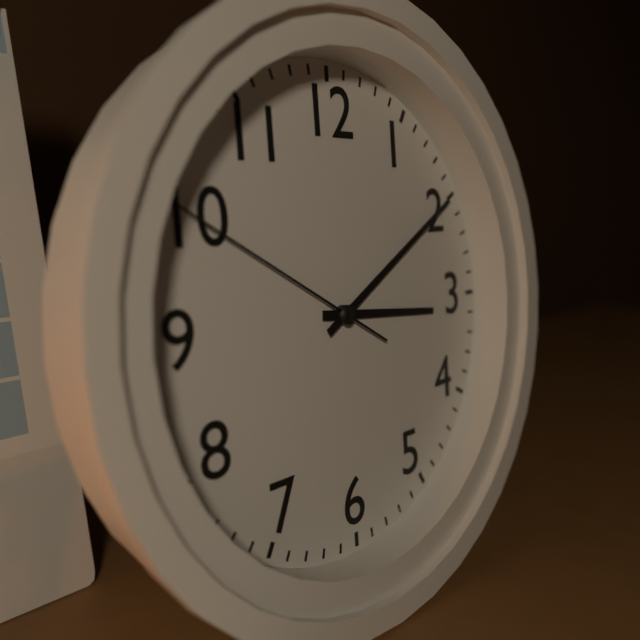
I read 3.10.50
